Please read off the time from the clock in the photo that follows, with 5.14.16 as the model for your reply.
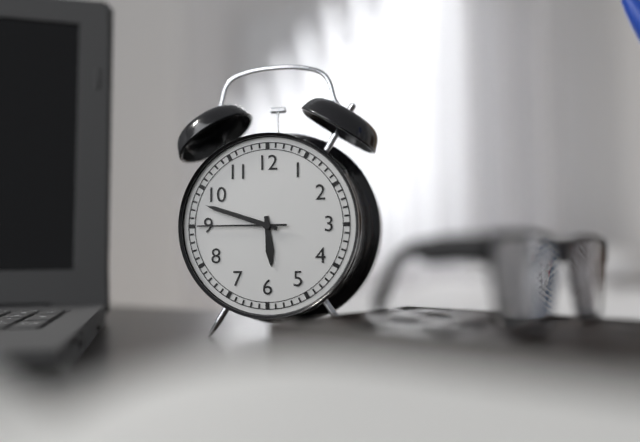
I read 5.48.45
